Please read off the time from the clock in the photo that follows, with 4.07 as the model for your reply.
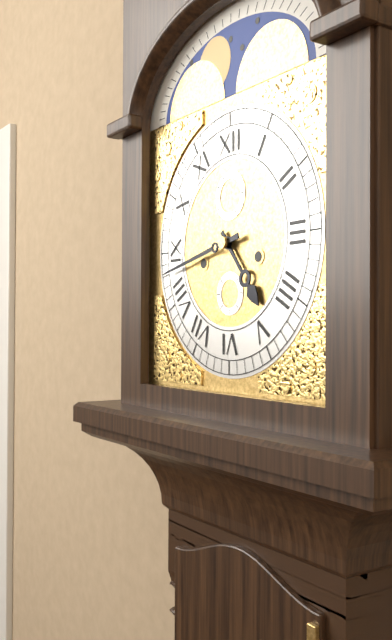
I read 4.43
